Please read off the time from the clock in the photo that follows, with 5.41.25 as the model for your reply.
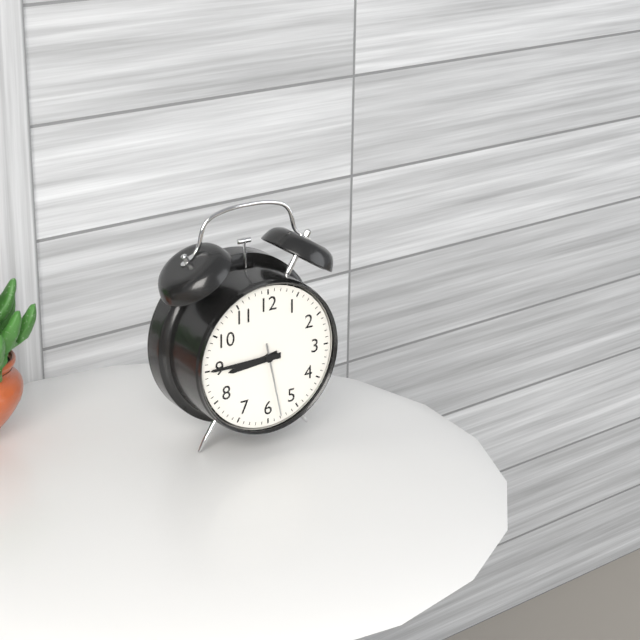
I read 8.45.28
